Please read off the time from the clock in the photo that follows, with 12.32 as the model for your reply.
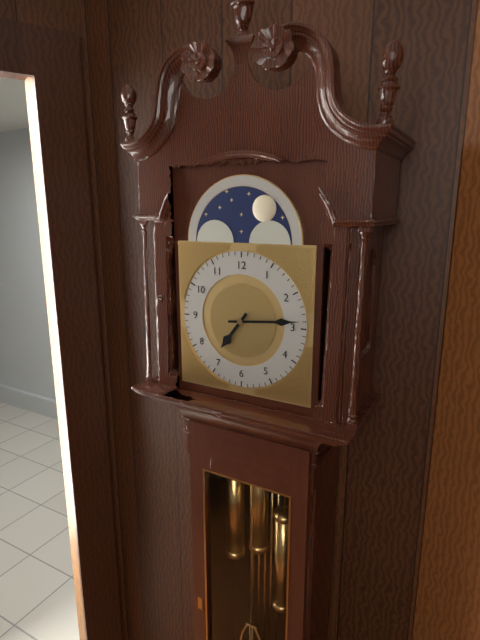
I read 7.14
